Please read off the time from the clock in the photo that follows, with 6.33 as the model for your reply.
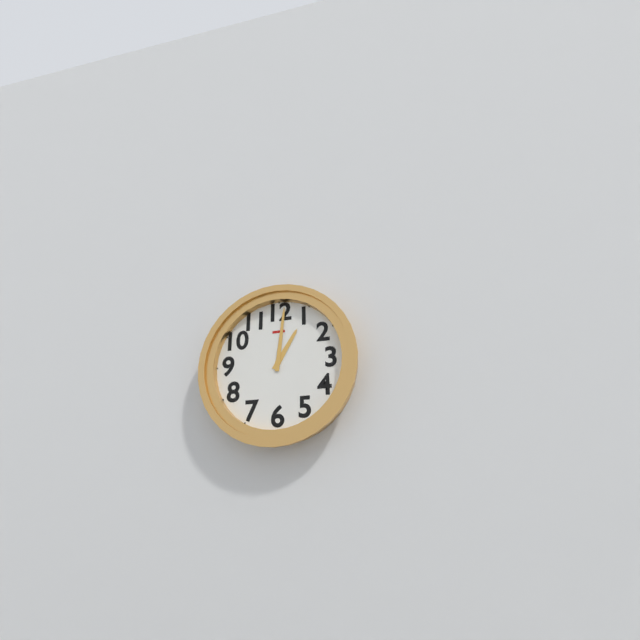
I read 1.01
